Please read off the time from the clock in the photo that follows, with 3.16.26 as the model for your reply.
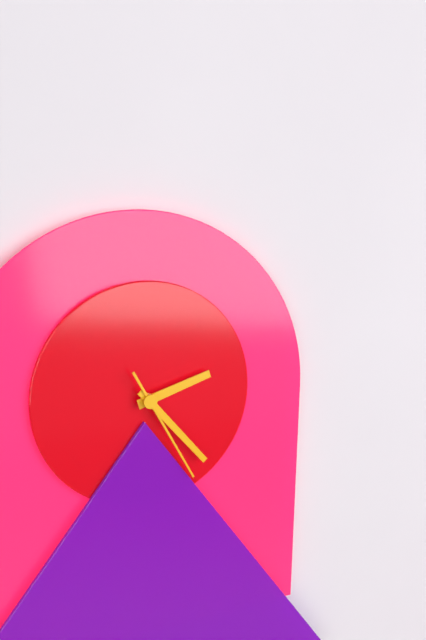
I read 2.23.25
